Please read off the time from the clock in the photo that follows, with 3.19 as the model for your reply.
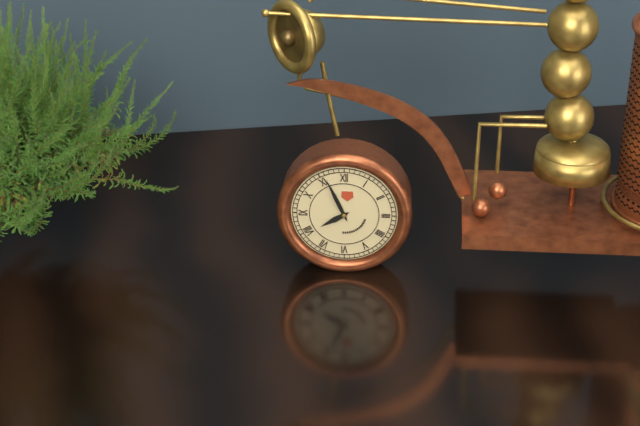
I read 7.56
